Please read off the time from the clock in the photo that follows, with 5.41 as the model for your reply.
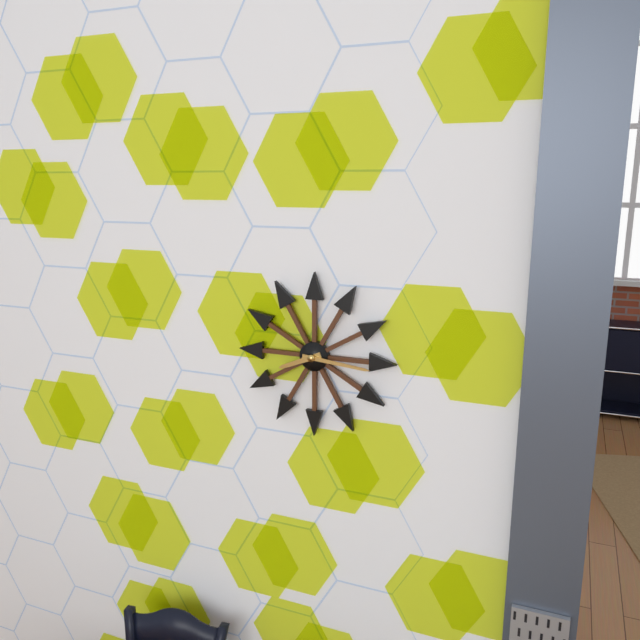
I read 8.16
